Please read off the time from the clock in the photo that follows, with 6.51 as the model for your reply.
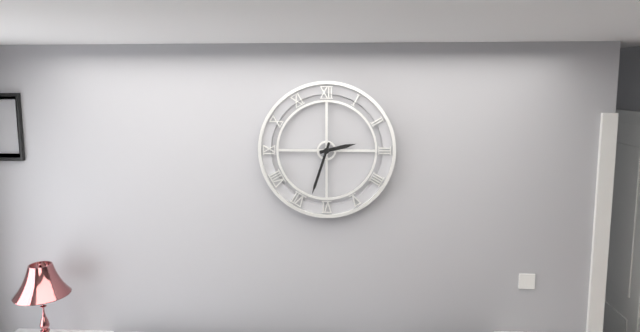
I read 2.33
